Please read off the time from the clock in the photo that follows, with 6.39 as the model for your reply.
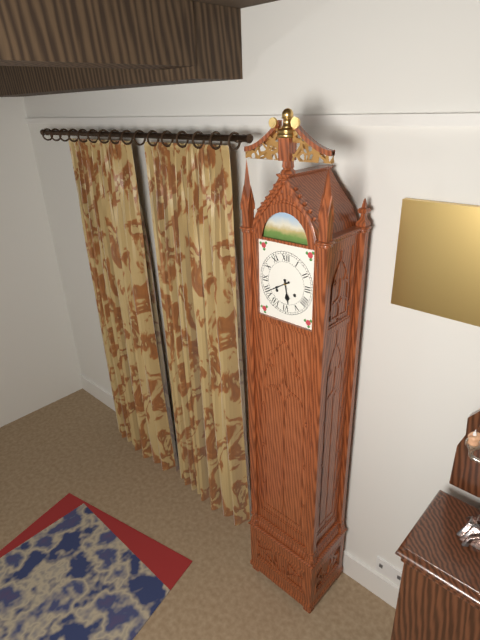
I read 5.40
